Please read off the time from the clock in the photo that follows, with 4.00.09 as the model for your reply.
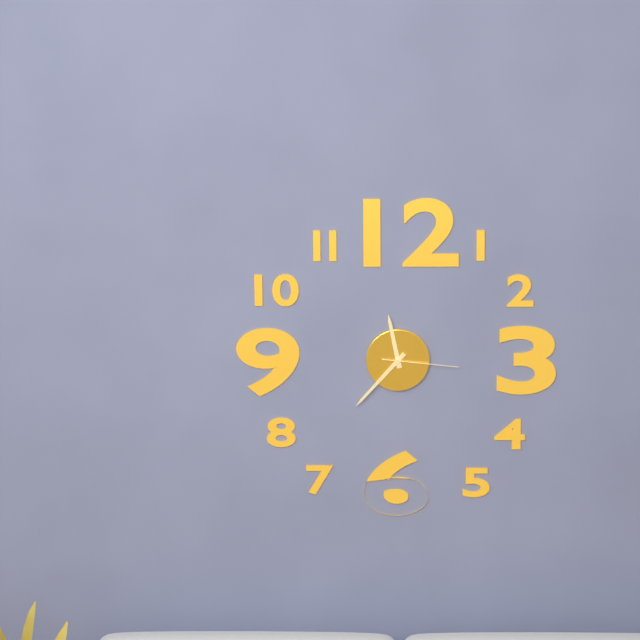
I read 11.37.16
